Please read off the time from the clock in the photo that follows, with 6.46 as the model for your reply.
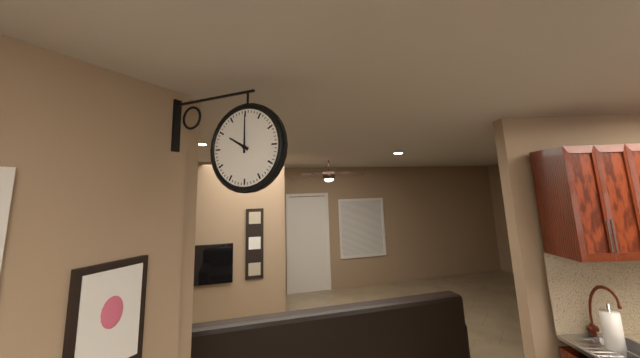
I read 10.00
